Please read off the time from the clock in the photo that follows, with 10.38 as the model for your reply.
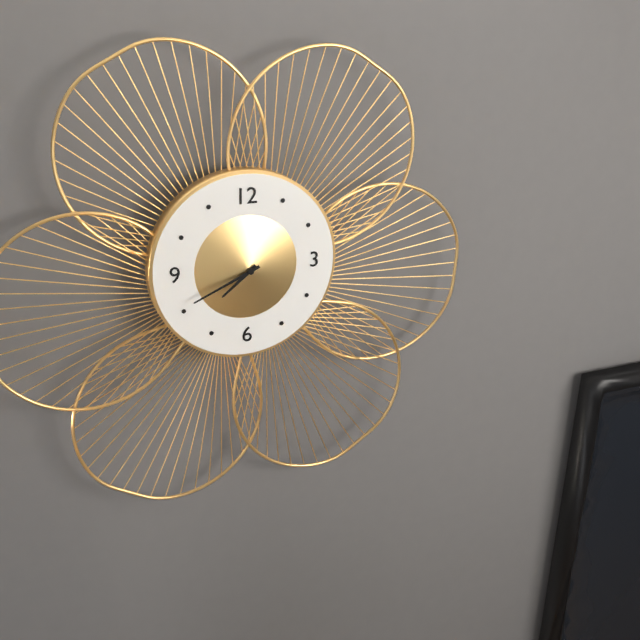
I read 7.41
